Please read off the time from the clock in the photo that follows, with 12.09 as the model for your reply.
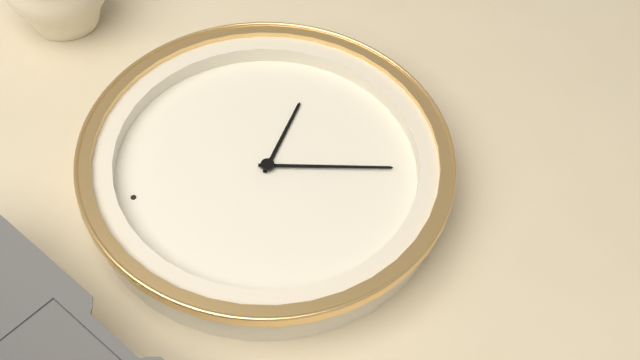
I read 3.29
